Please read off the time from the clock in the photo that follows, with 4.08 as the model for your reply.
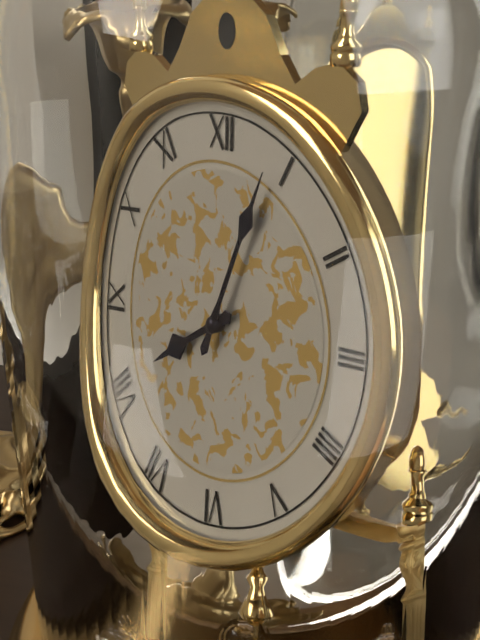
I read 8.04
